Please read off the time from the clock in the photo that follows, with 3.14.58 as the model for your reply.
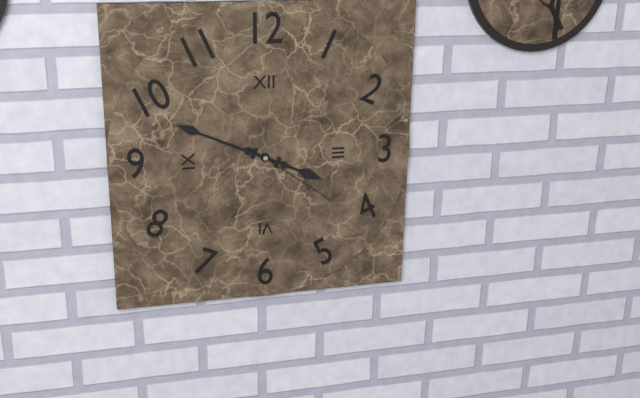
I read 3.49.21
